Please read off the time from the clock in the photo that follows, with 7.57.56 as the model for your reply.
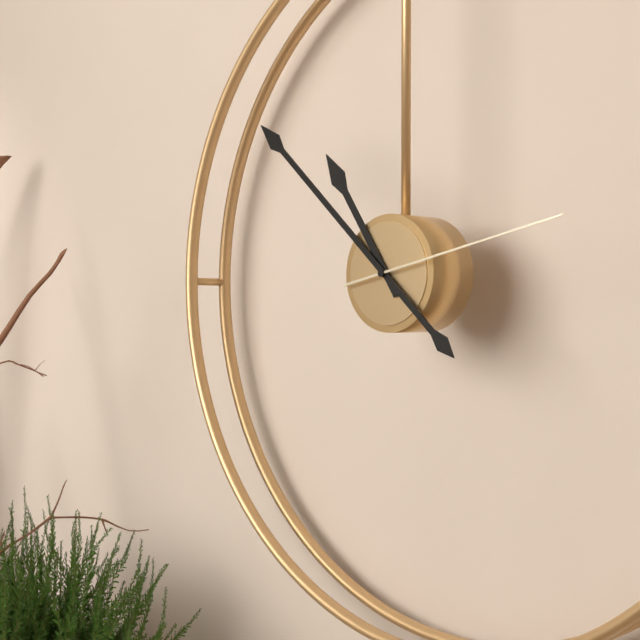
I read 10.52.13
